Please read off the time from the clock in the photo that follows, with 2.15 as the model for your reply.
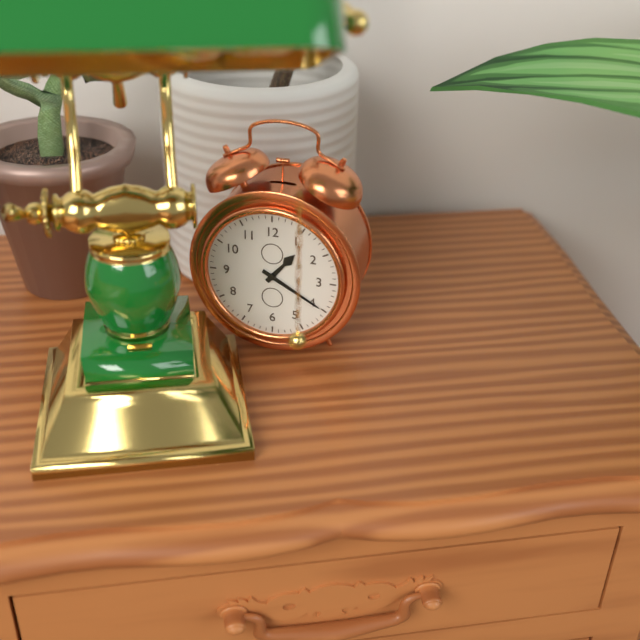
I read 1.20
